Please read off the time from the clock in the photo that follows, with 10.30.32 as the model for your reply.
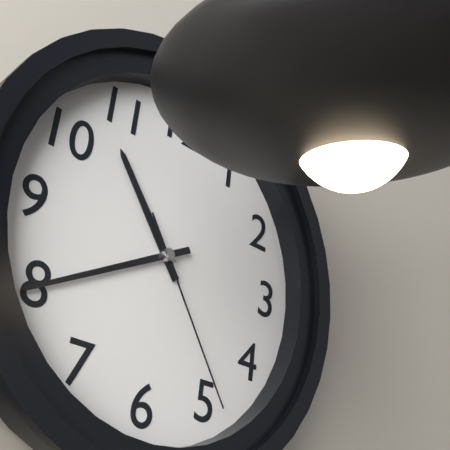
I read 10.40.24
